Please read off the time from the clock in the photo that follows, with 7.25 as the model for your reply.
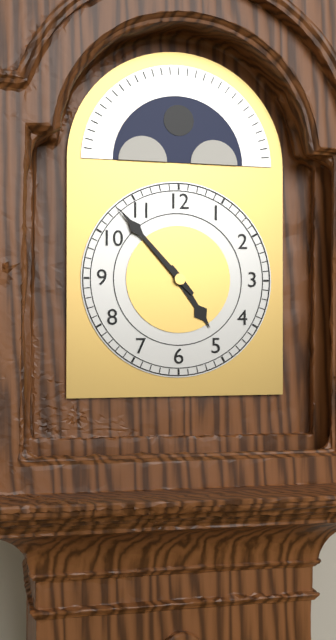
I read 4.53
